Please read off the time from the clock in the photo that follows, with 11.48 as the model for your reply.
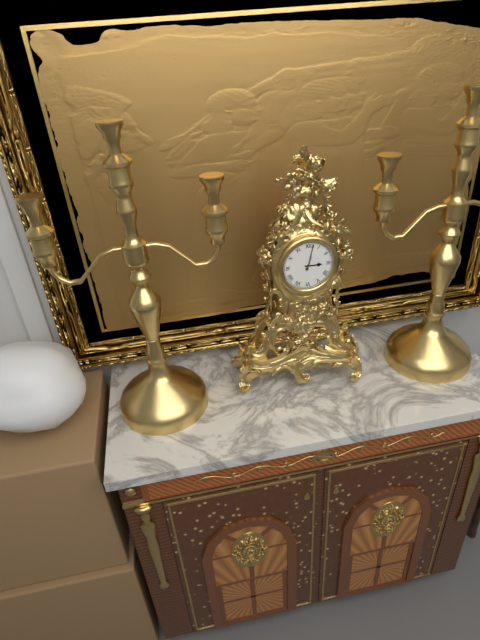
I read 3.02
